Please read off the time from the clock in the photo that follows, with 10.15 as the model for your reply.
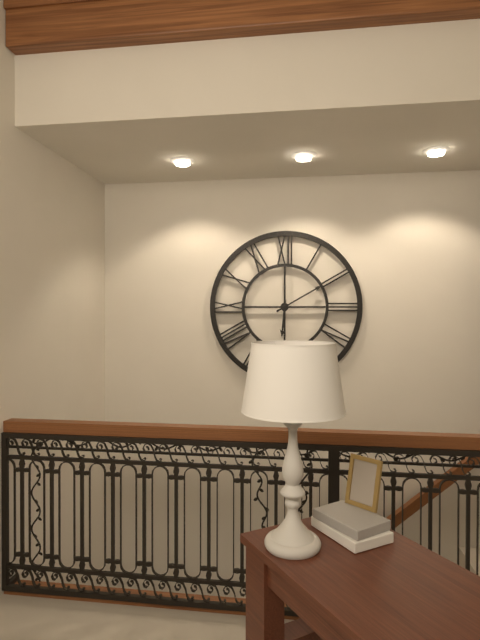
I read 6.10
